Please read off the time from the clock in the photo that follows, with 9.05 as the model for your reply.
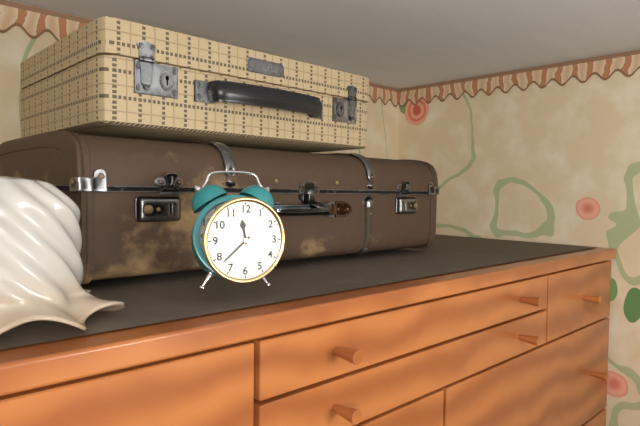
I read 11.38
